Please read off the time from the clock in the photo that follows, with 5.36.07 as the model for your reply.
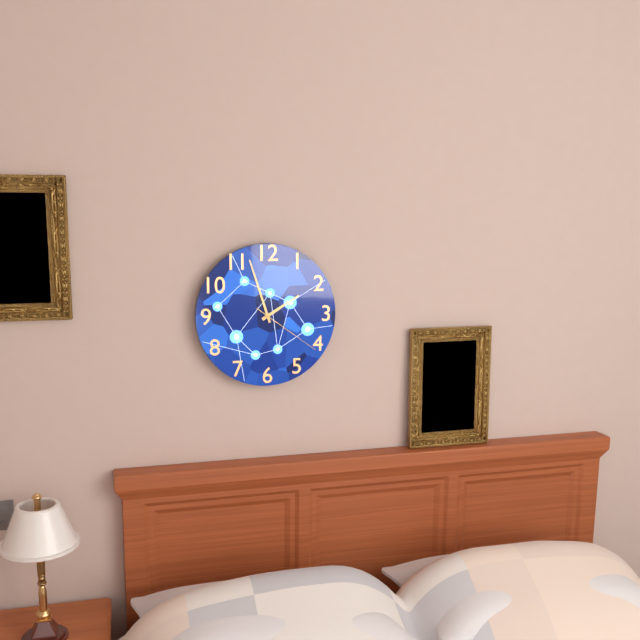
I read 1.57.21
